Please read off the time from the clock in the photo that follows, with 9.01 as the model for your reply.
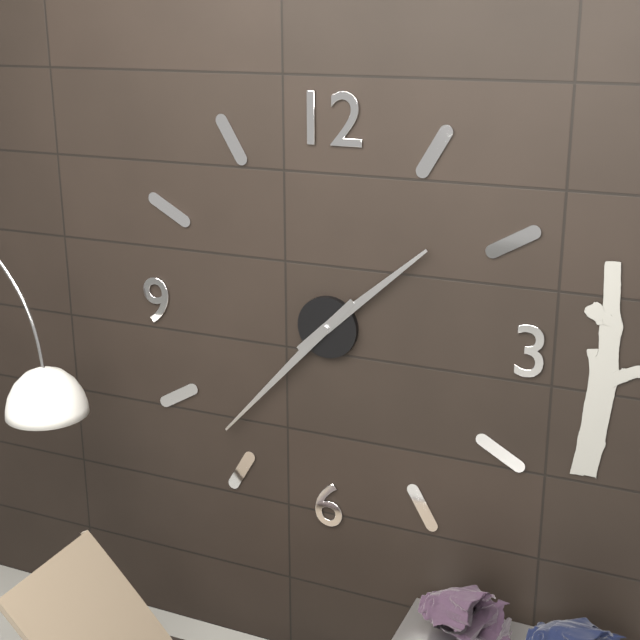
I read 1.37
